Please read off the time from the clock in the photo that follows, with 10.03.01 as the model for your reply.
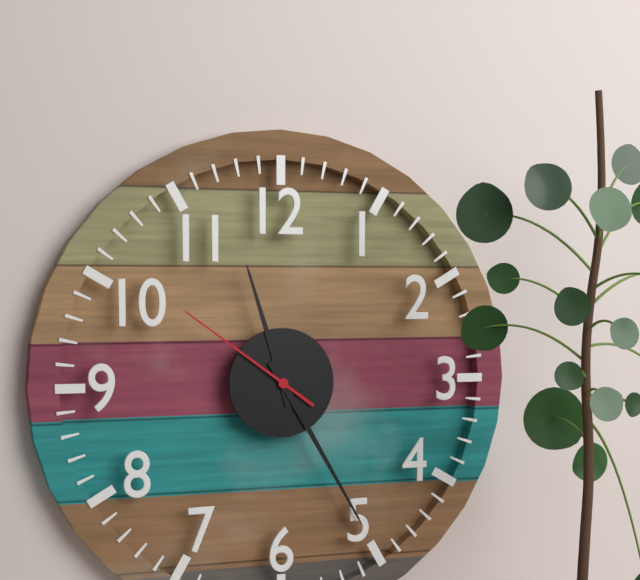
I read 11.25.51
